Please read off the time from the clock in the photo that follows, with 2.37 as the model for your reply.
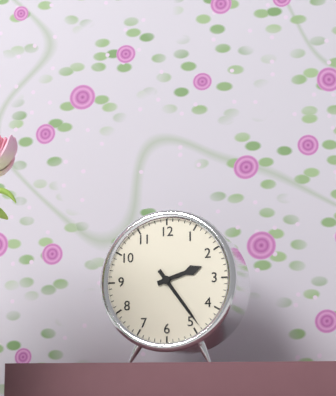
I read 2.24
